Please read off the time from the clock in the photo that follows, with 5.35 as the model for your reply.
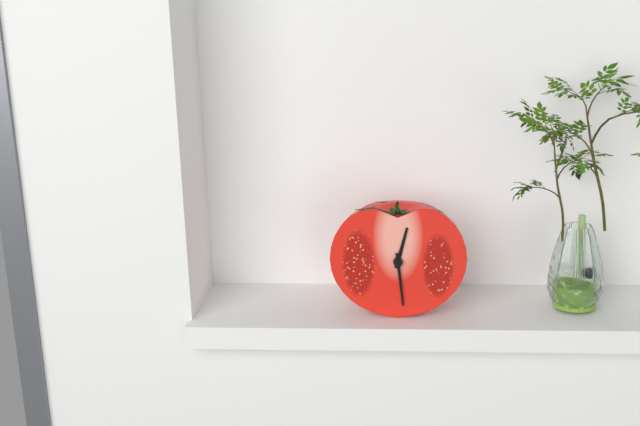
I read 12.29
